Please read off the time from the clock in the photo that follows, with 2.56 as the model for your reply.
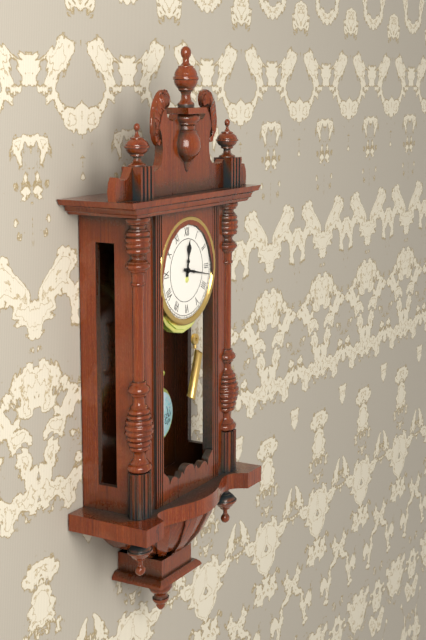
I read 12.17
